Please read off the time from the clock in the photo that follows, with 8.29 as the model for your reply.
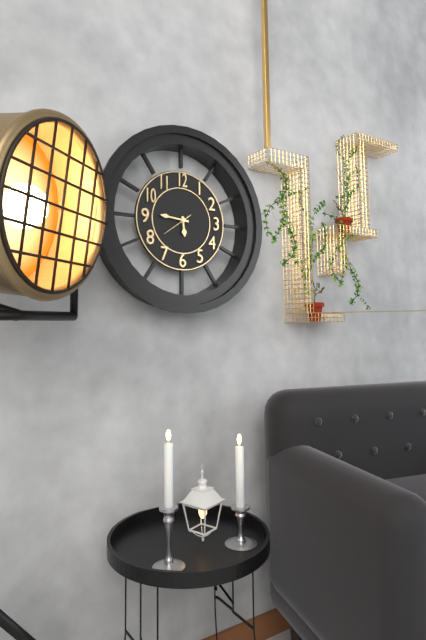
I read 5.46
